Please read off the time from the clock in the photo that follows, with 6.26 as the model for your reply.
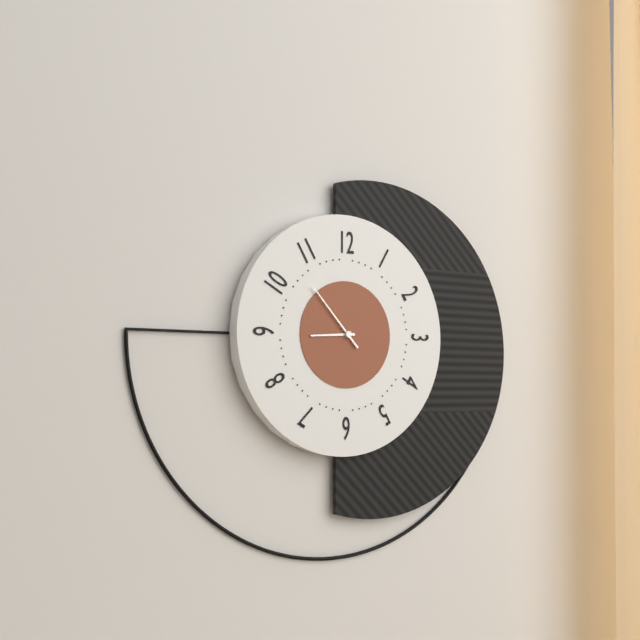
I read 8.53
